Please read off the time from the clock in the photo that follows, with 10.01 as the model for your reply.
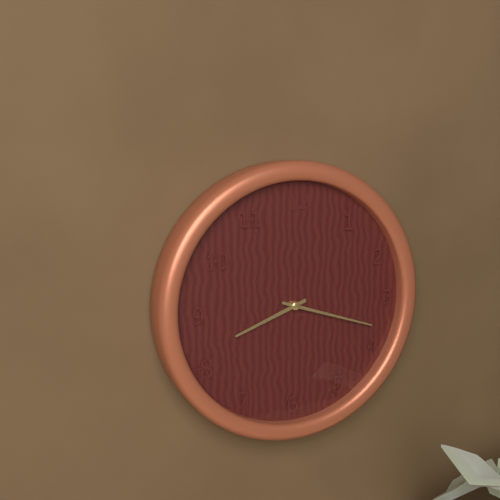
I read 8.18
